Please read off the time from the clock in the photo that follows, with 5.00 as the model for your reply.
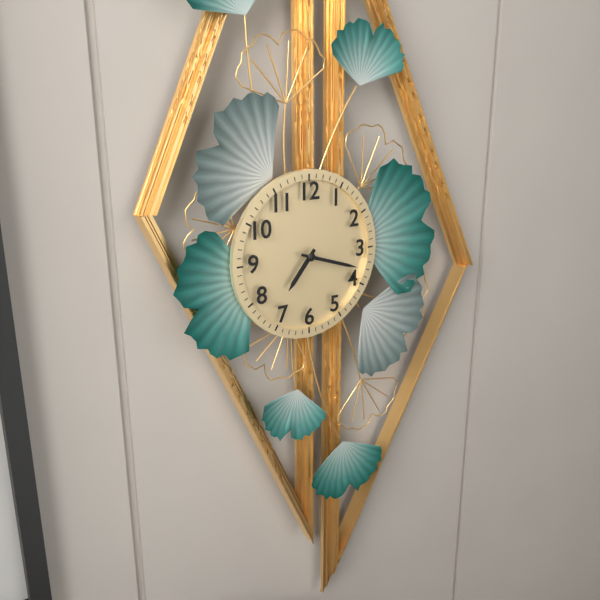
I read 7.18
